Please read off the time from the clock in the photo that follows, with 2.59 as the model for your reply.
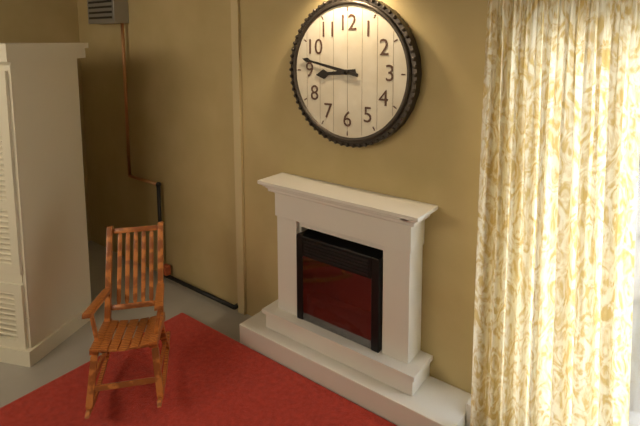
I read 8.47
